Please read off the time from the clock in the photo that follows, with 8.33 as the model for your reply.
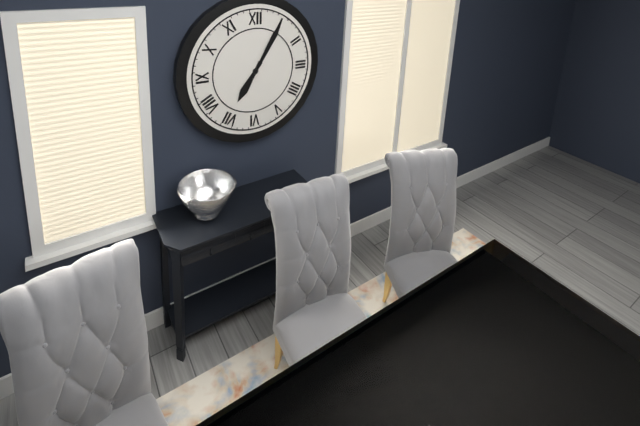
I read 7.05
